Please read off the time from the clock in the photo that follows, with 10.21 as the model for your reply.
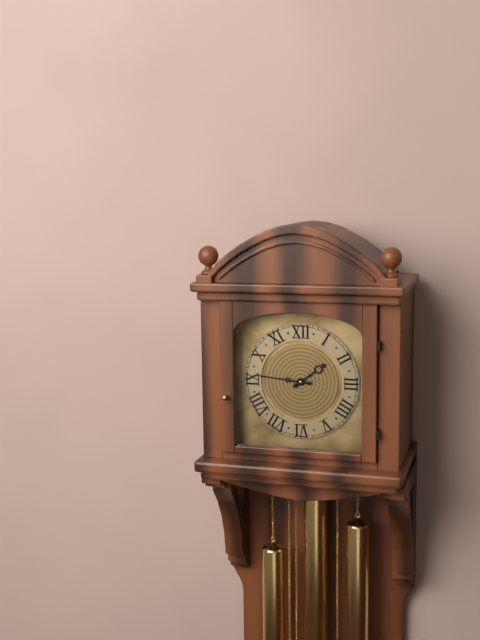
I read 1.46
